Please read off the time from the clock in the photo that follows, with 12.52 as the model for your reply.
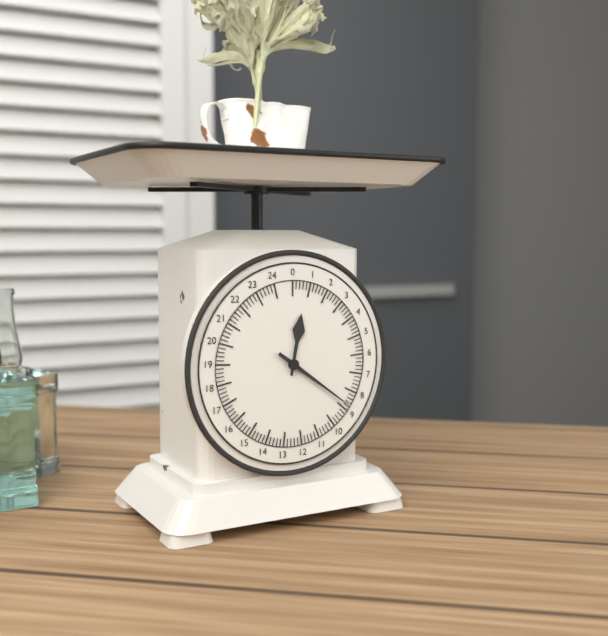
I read 12.21
